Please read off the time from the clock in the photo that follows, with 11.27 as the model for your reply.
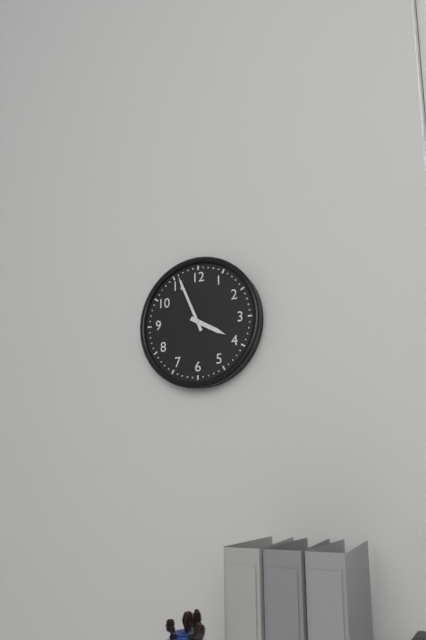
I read 3.56
